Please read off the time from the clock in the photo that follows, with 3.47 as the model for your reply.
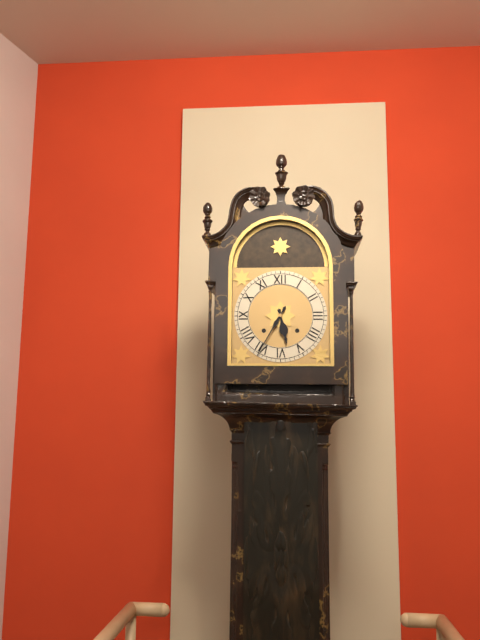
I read 5.35
